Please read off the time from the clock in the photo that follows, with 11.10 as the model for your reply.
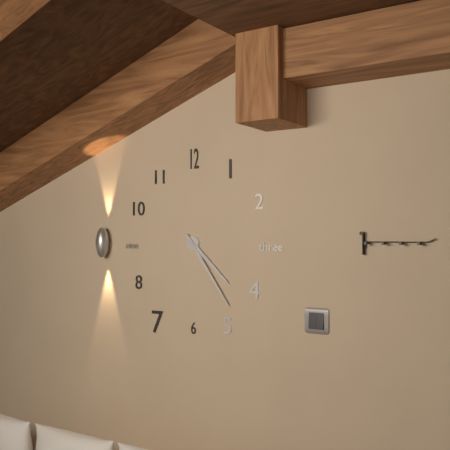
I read 4.24
